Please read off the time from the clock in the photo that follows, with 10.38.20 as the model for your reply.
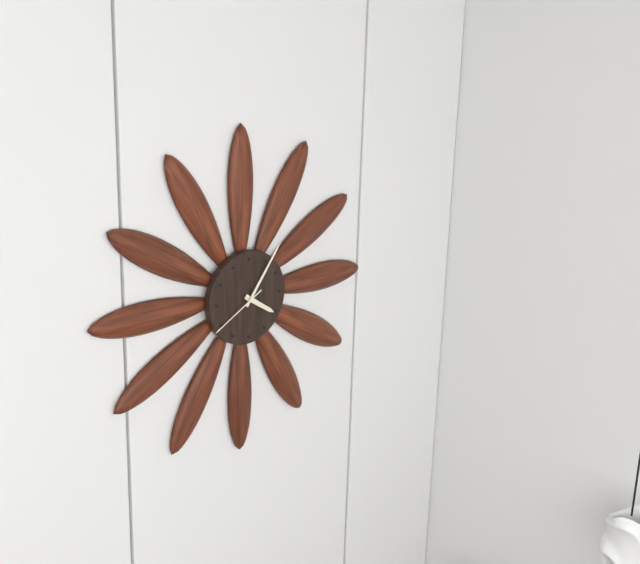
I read 4.06.40
